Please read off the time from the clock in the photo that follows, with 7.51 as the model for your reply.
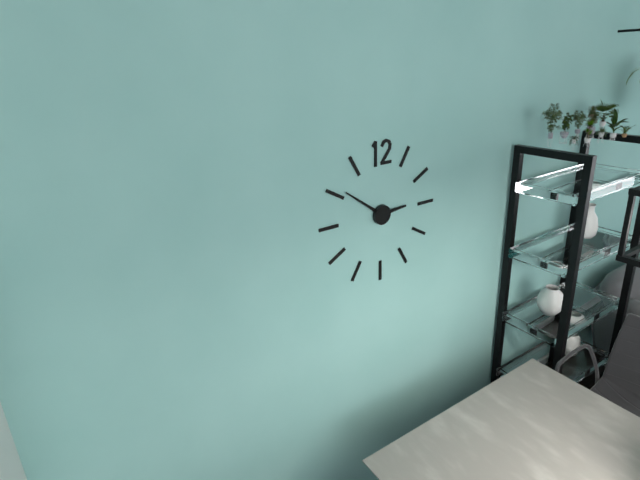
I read 2.51
